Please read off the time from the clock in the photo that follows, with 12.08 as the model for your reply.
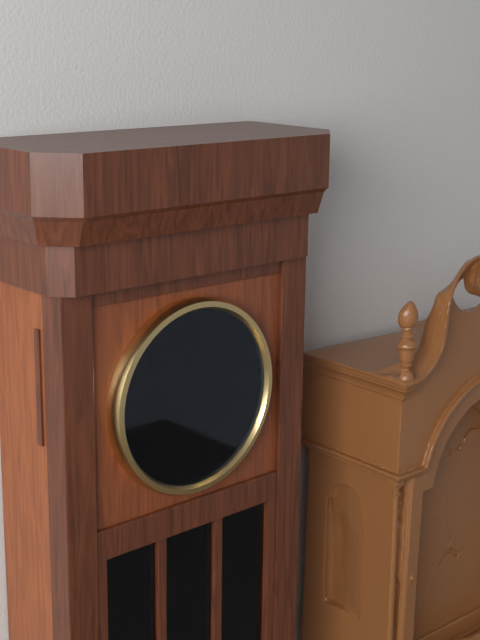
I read 3.02
